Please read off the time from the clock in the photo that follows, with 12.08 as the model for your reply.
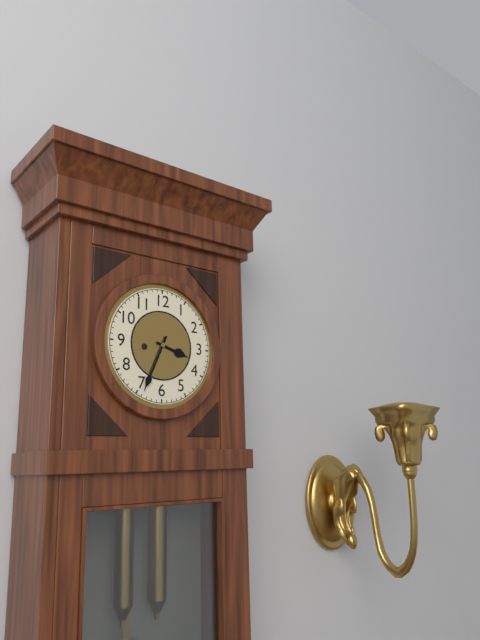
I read 3.34
